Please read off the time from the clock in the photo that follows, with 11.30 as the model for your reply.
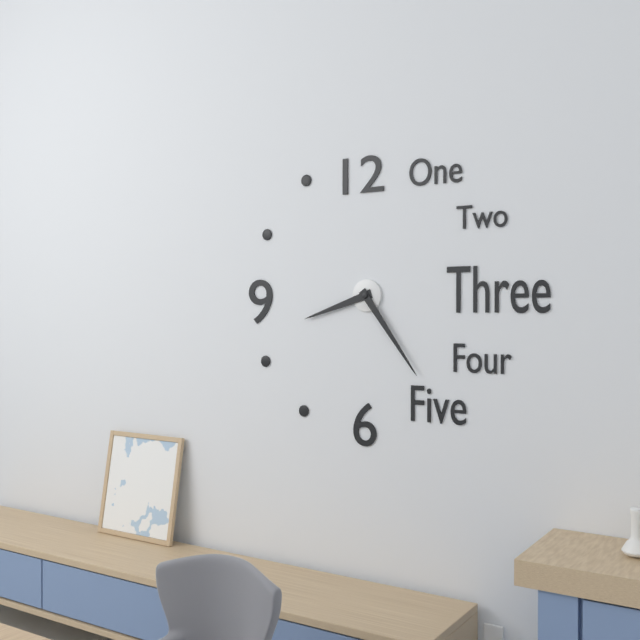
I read 8.24
